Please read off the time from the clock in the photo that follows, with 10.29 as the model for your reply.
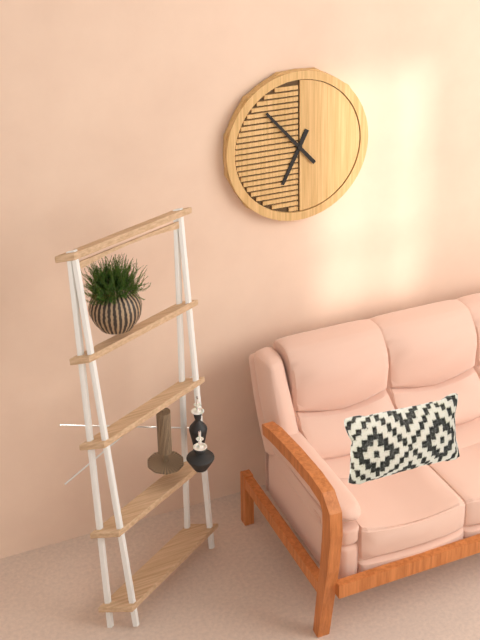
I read 6.53
